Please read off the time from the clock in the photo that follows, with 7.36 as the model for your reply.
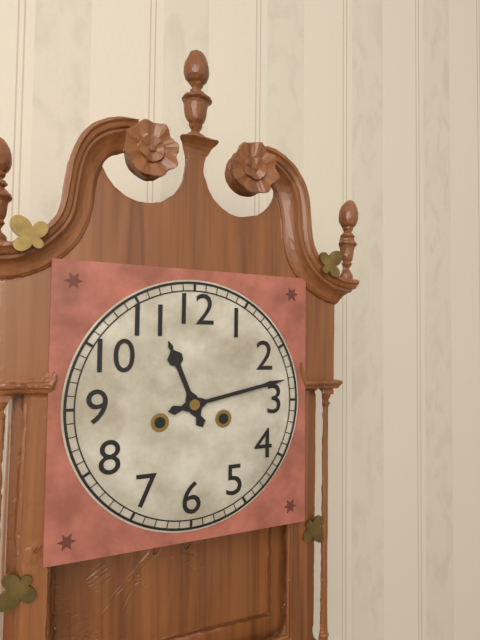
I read 11.13
